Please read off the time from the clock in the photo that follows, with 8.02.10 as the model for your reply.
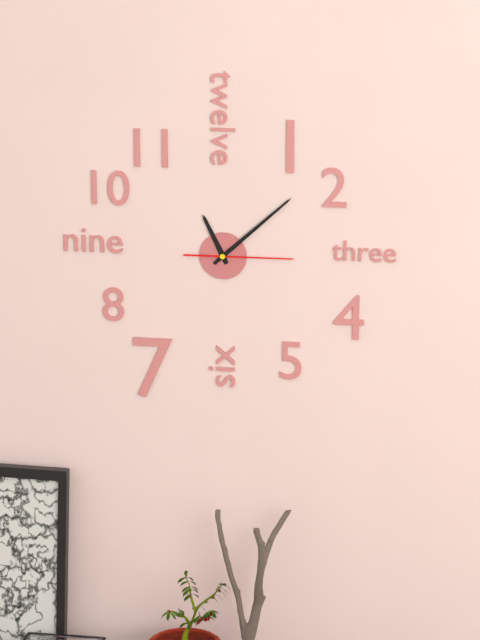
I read 11.08.15
